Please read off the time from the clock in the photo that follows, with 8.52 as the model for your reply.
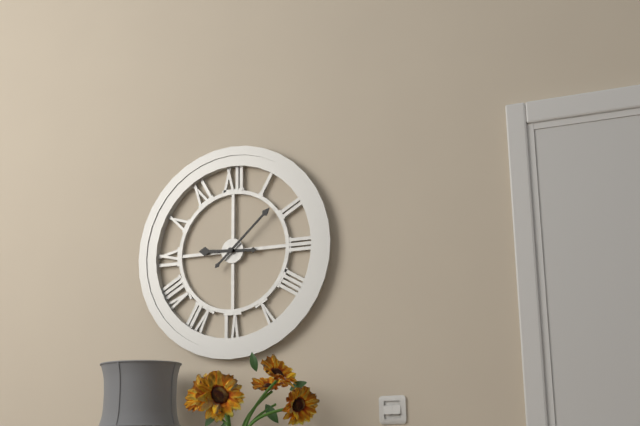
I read 9.08
